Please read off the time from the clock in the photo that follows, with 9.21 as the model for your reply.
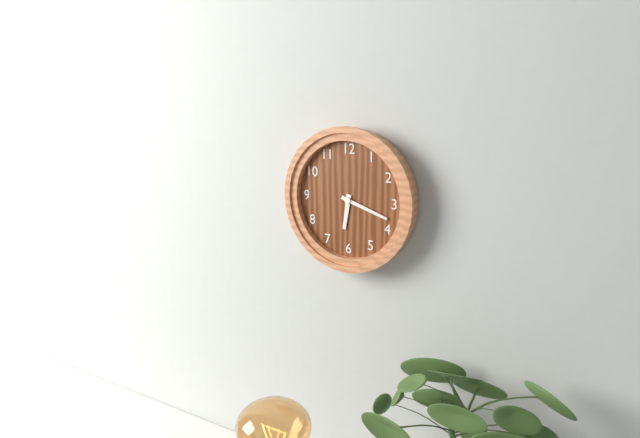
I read 6.18
